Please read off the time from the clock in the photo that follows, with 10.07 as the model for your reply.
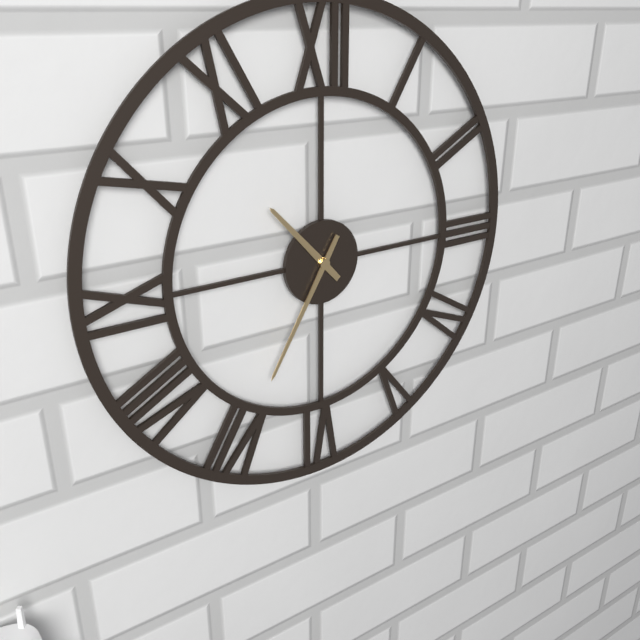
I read 10.35
